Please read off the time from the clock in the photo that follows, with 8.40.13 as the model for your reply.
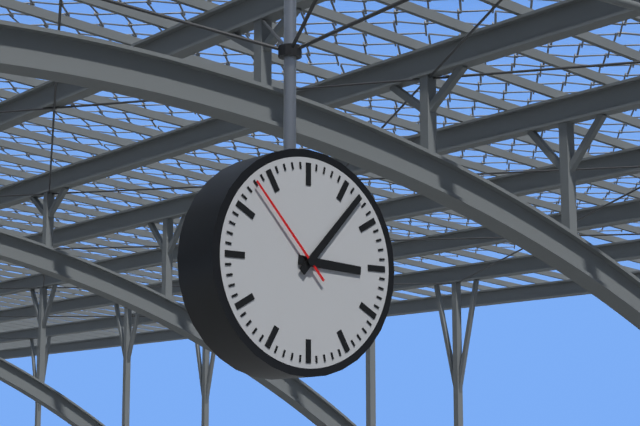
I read 3.07.53
